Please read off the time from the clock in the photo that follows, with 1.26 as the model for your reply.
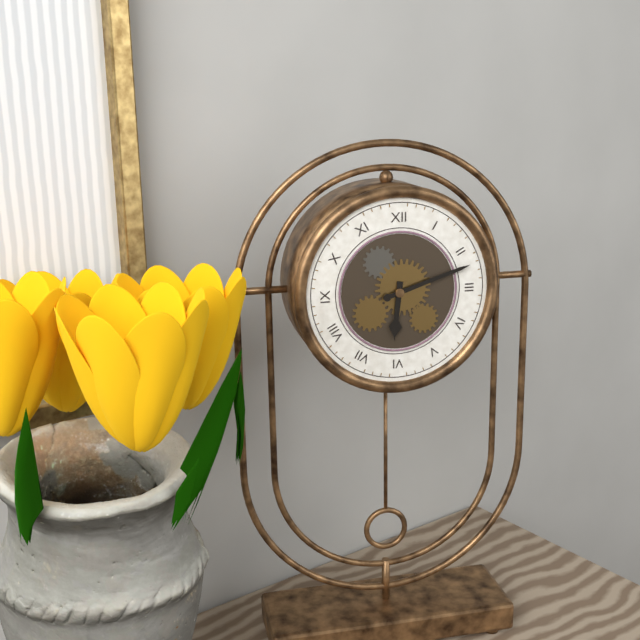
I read 6.12
